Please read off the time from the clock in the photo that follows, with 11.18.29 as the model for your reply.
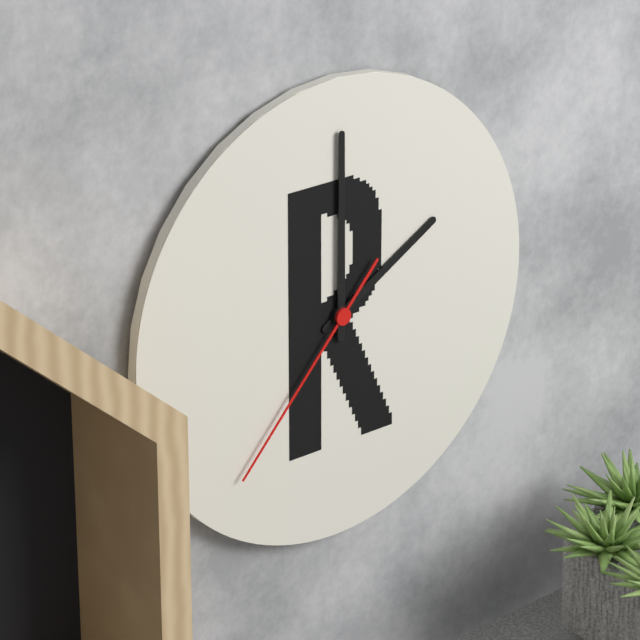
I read 2.00.37
